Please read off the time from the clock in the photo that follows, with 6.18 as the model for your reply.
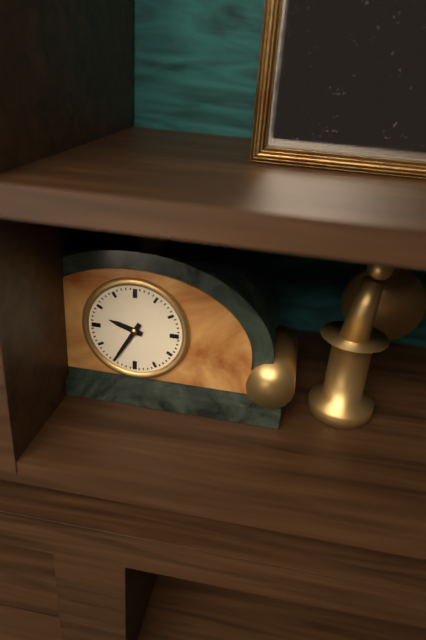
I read 9.35
